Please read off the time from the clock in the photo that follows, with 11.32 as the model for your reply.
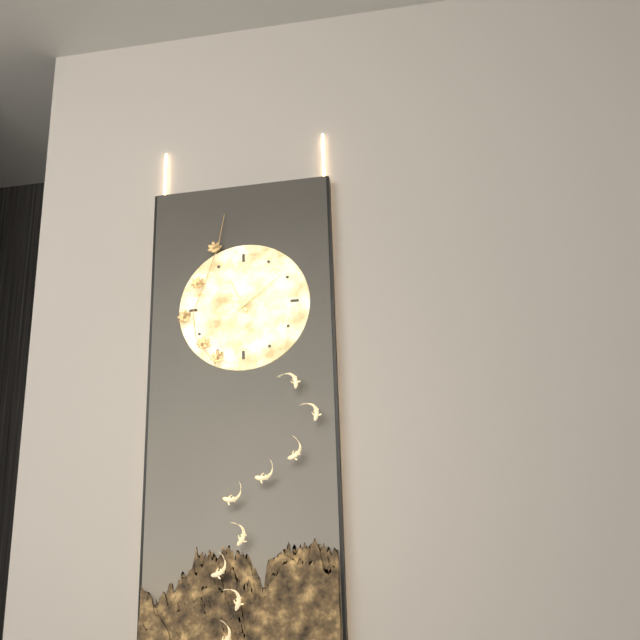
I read 11.09
